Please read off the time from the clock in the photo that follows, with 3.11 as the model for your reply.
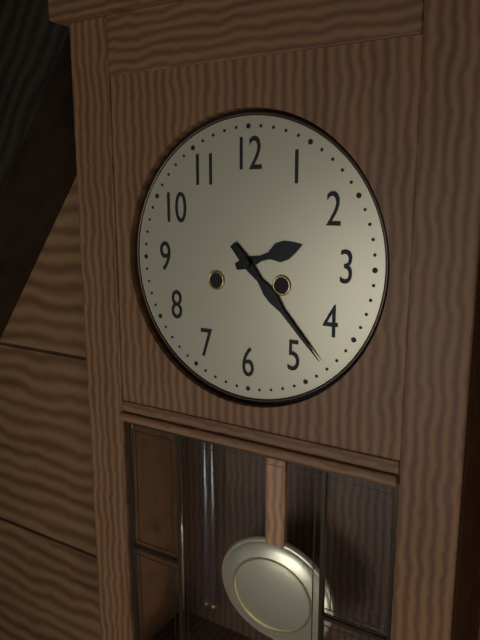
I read 2.23
